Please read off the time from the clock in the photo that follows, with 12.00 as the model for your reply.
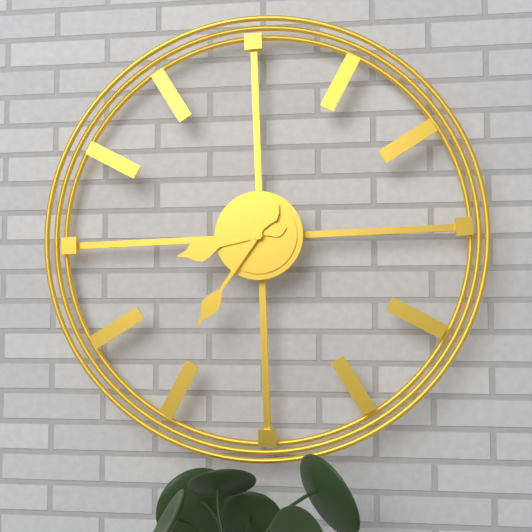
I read 8.36
